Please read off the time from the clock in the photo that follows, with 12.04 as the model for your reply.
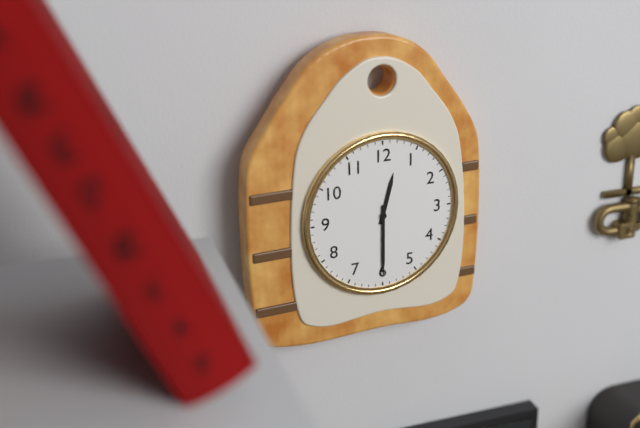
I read 12.30
